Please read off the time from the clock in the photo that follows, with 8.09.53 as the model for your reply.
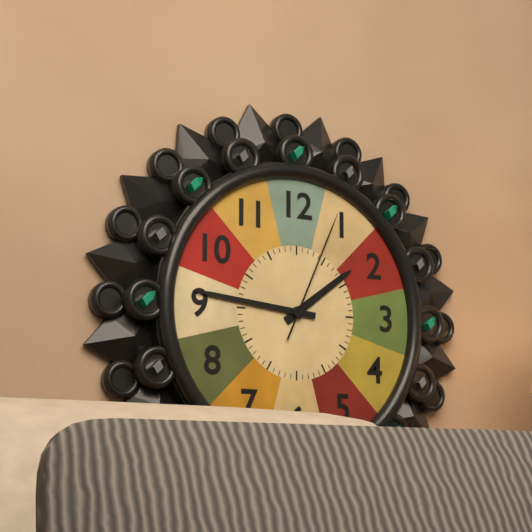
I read 1.46.04
